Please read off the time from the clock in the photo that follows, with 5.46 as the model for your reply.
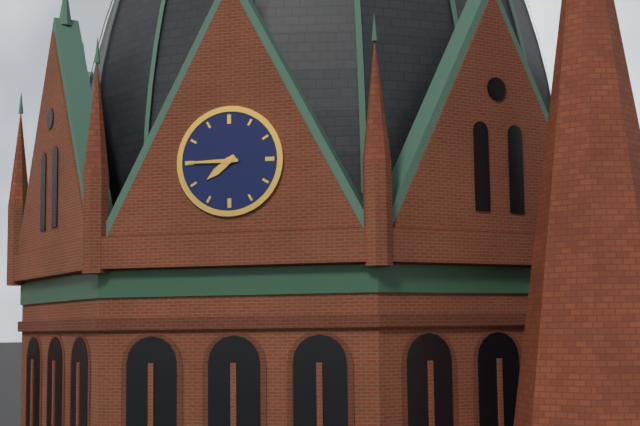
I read 7.45
